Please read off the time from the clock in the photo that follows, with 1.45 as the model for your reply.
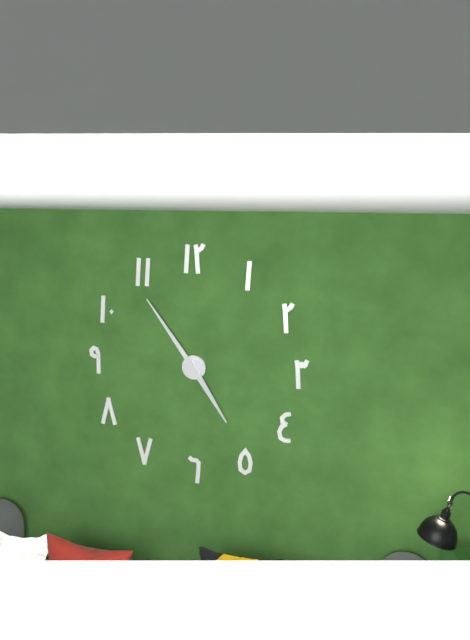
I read 4.54
